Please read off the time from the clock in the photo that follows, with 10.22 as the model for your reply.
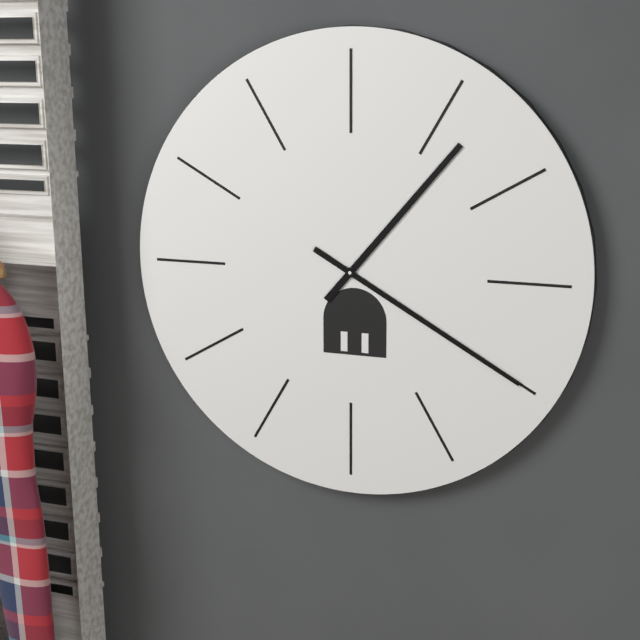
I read 1.20
